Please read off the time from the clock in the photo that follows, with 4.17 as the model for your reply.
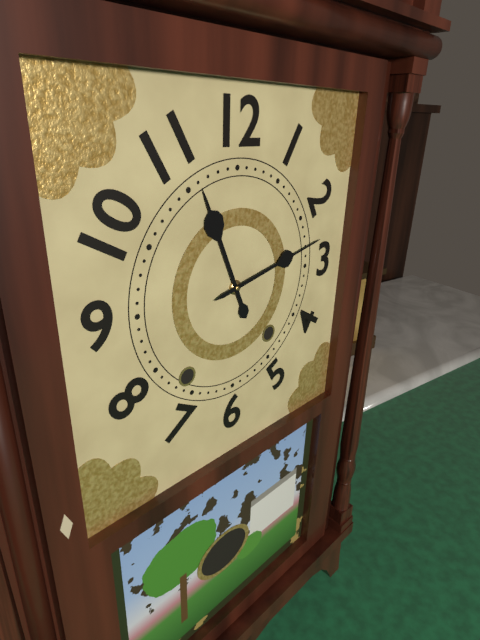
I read 11.13
